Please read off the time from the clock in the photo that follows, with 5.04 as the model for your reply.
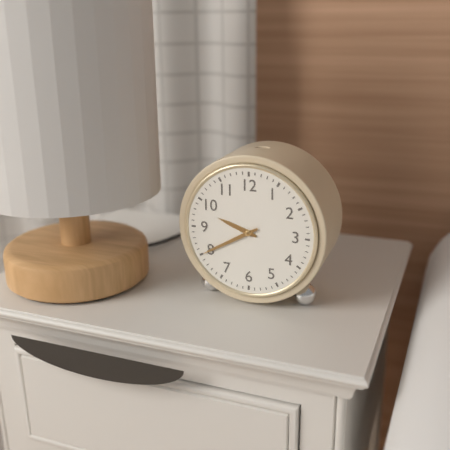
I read 9.40
